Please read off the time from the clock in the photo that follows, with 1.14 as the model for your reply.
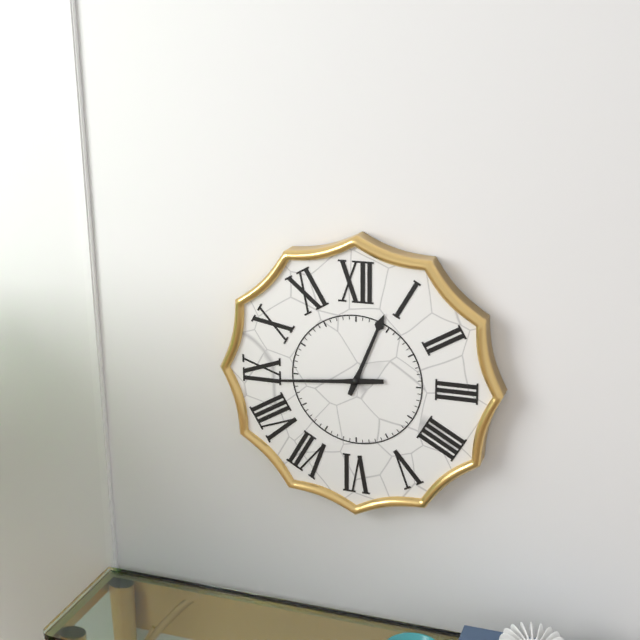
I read 12.44
